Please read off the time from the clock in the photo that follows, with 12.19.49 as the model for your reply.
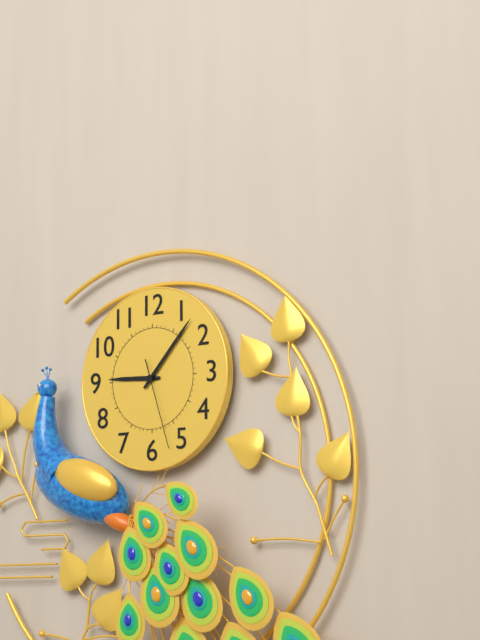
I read 9.07.27
